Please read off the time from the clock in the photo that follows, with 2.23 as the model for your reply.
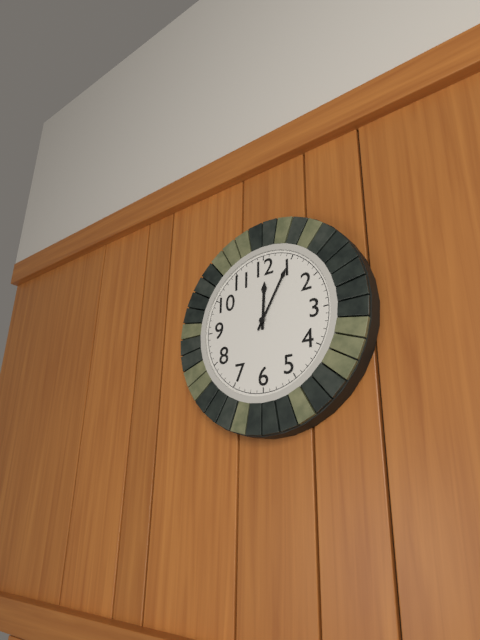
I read 12.05
